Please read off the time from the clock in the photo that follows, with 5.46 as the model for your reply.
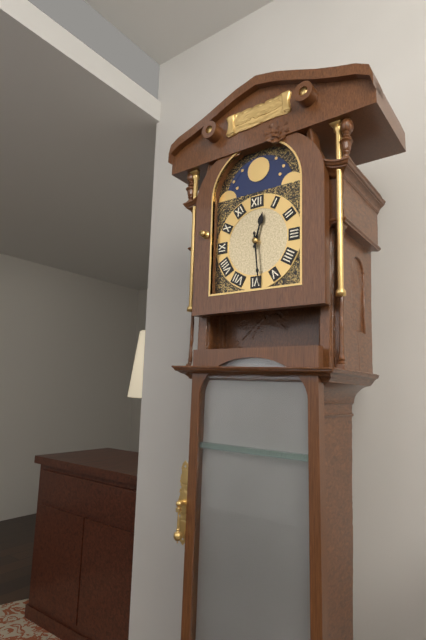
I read 12.29
